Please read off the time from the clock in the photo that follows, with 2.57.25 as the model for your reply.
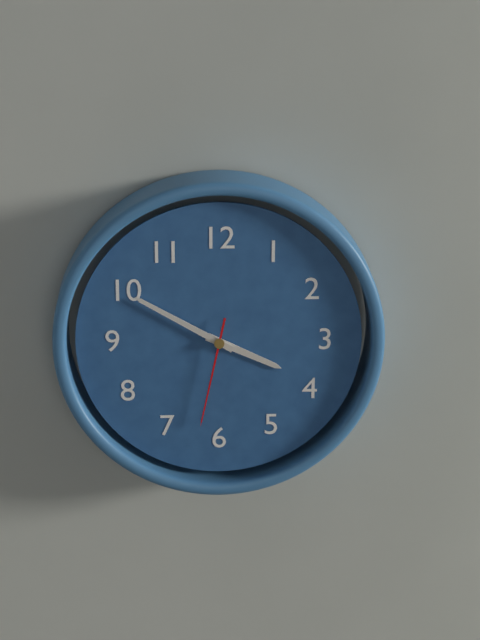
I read 3.50.32
